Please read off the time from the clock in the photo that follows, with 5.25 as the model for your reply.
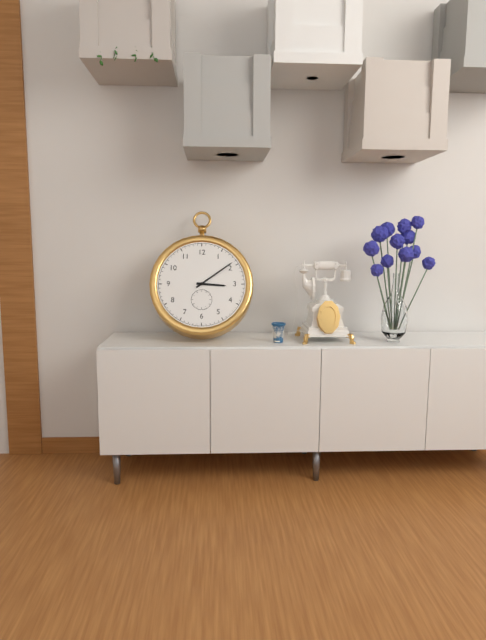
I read 3.09
